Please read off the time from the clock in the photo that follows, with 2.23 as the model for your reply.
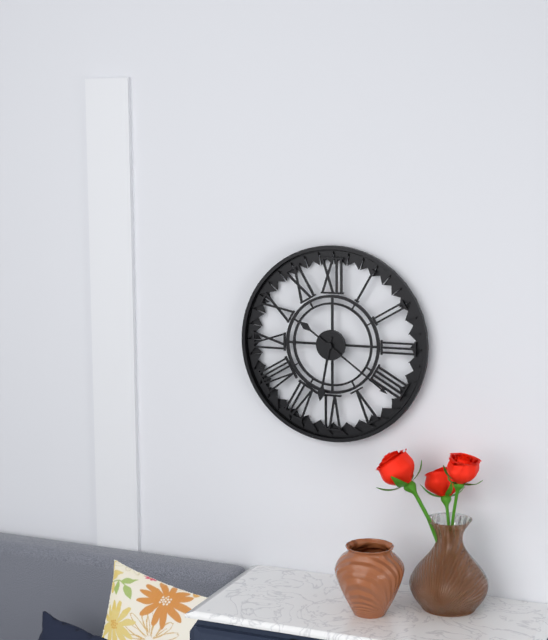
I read 6.21
